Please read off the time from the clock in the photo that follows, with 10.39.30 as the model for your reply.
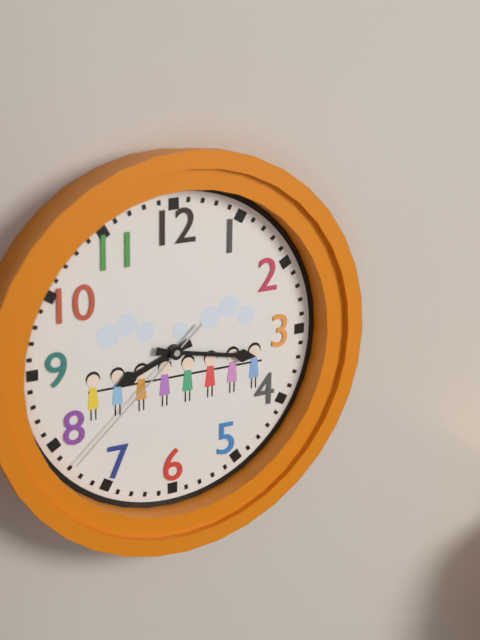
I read 8.17.38
